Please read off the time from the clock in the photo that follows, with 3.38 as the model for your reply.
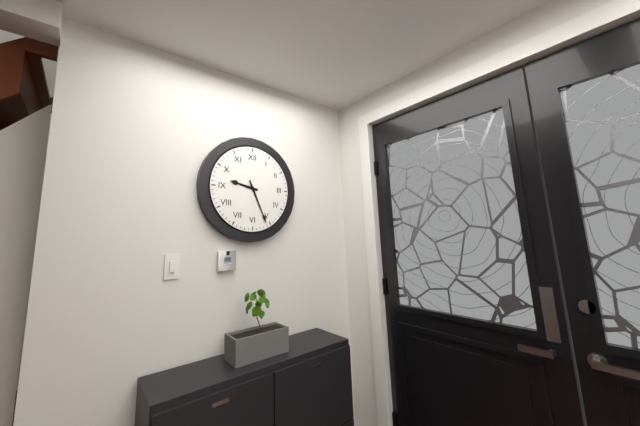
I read 9.26
